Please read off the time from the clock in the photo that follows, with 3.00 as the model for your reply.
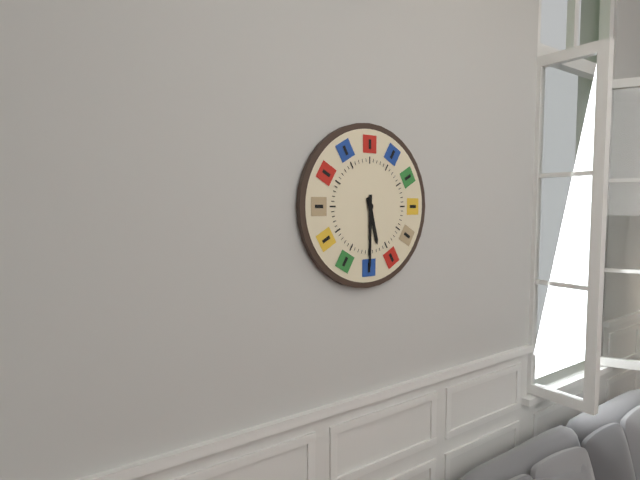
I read 5.30
